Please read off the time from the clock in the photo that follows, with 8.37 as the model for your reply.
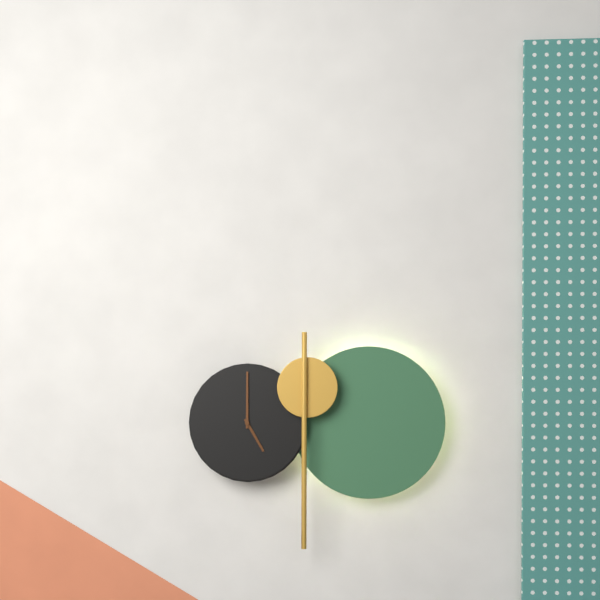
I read 5.00
